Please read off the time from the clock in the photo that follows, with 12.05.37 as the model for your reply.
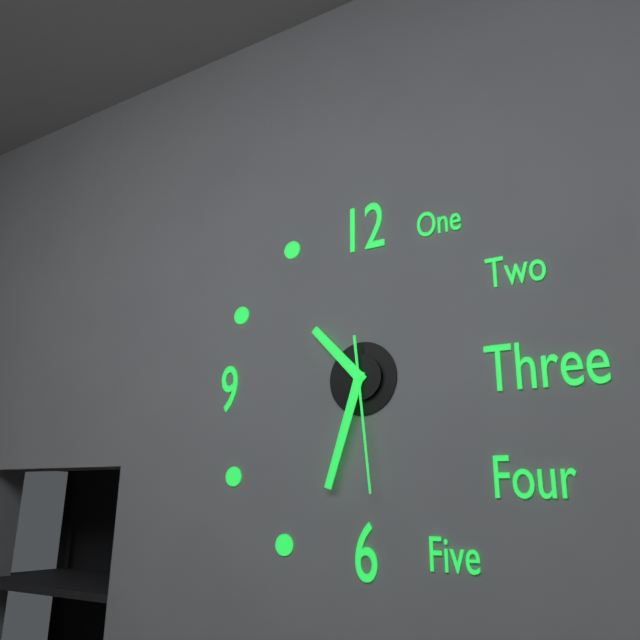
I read 10.33.29
